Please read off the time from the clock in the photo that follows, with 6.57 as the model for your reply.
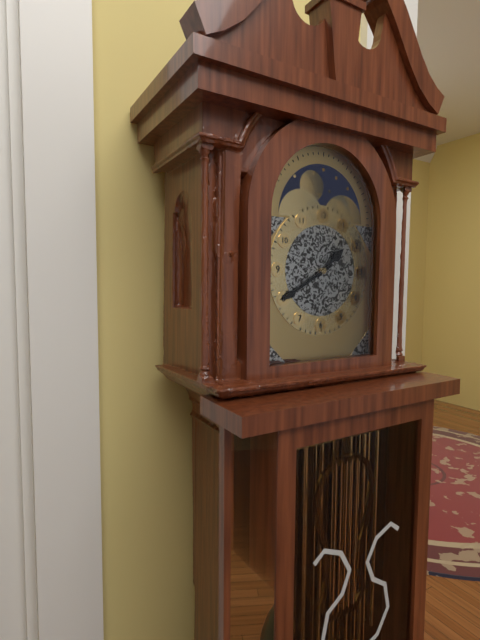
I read 1.40
